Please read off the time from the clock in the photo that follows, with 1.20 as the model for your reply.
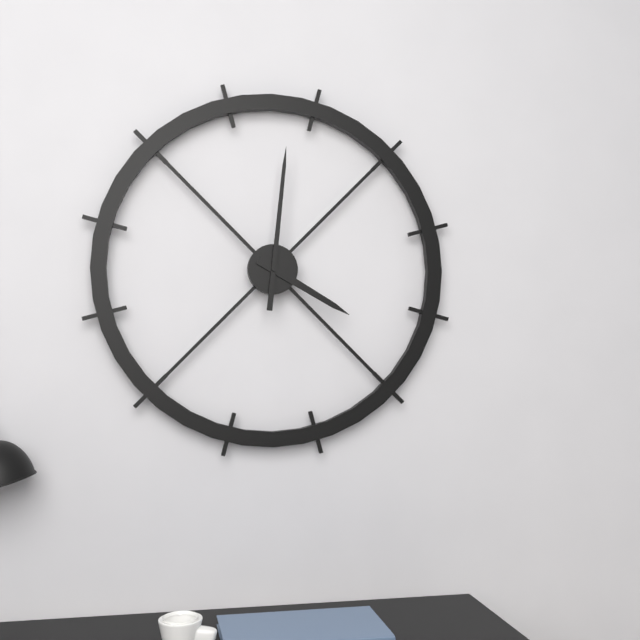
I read 4.01
